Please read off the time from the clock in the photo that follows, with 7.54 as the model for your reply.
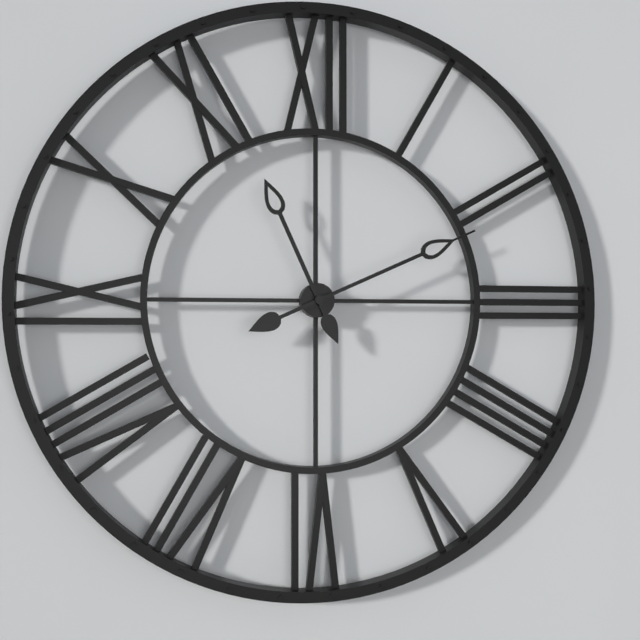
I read 11.11
